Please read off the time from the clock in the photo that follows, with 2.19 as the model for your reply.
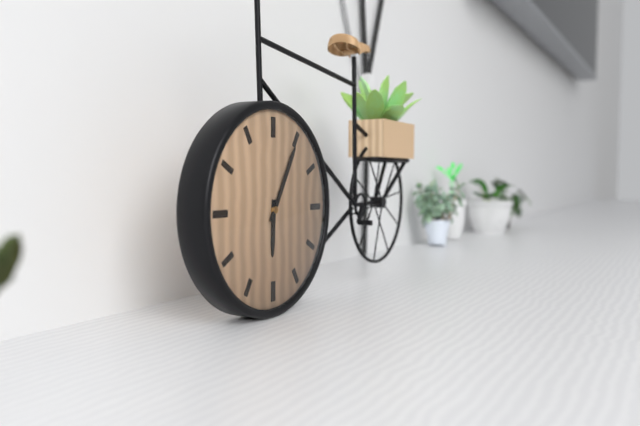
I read 6.05
